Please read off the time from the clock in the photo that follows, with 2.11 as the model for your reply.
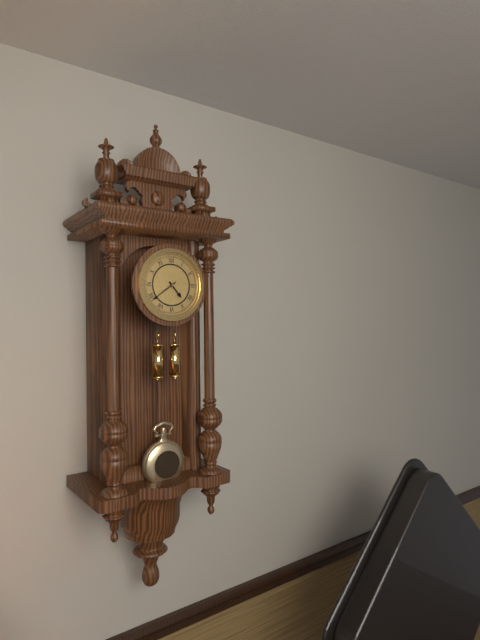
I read 4.39
